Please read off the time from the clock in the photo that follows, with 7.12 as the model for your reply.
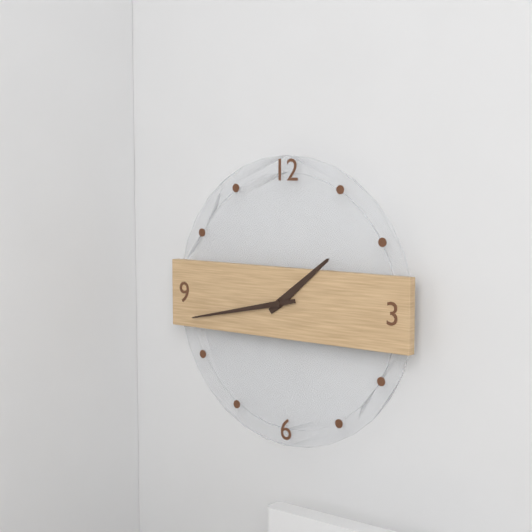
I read 1.43
